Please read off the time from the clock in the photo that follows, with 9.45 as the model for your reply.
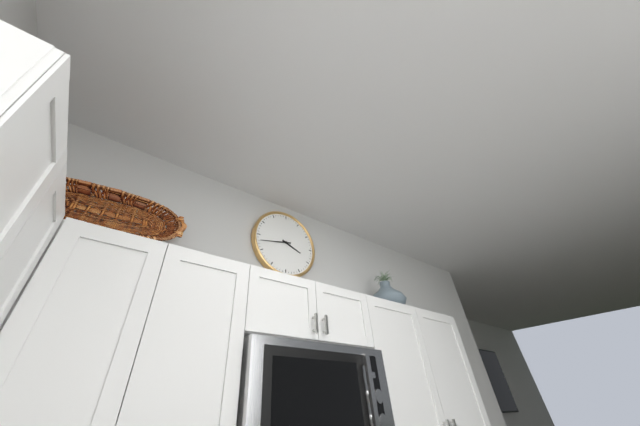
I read 3.43
